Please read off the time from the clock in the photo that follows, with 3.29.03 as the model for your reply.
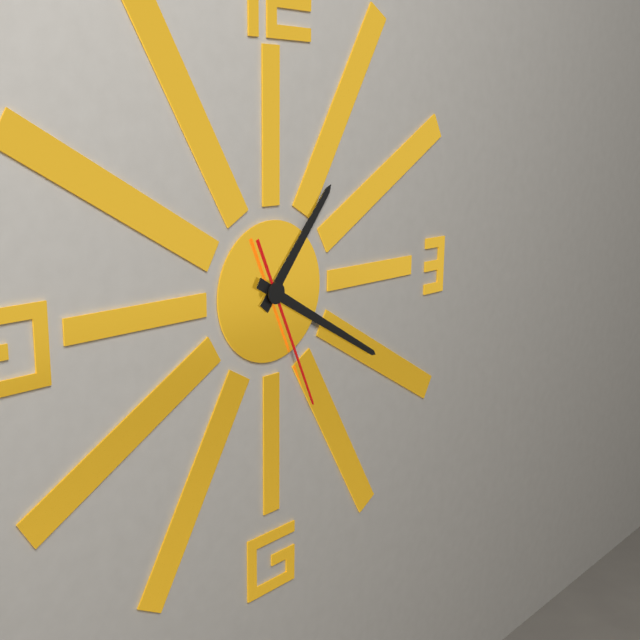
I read 1.20.26
